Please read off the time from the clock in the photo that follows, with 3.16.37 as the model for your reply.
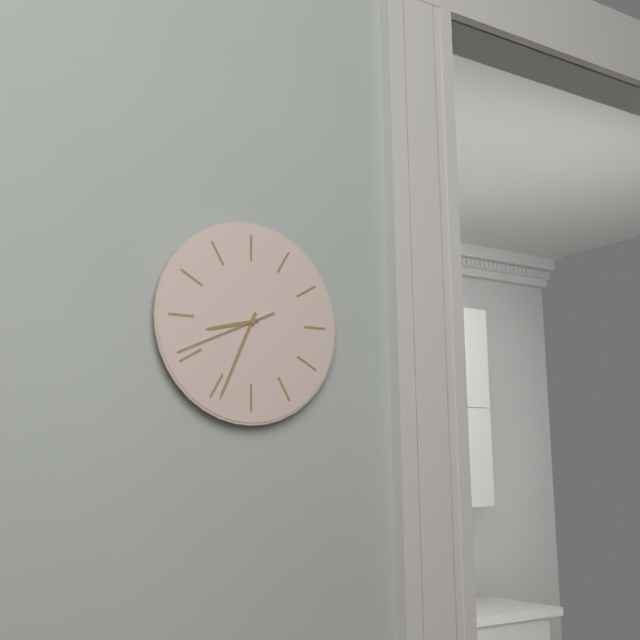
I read 8.34.41
